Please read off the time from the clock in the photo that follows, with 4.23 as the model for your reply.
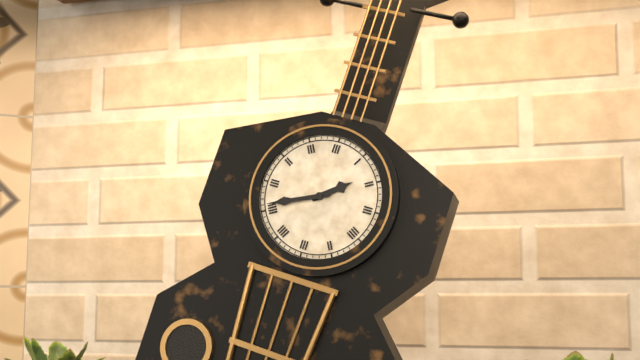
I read 1.41
